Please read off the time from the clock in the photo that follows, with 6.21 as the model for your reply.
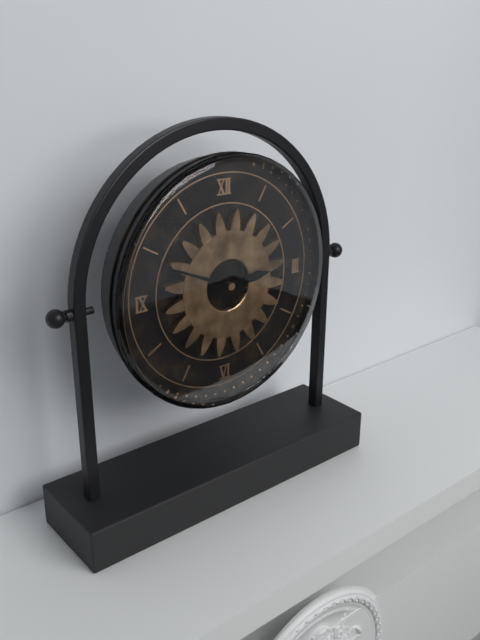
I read 2.49
